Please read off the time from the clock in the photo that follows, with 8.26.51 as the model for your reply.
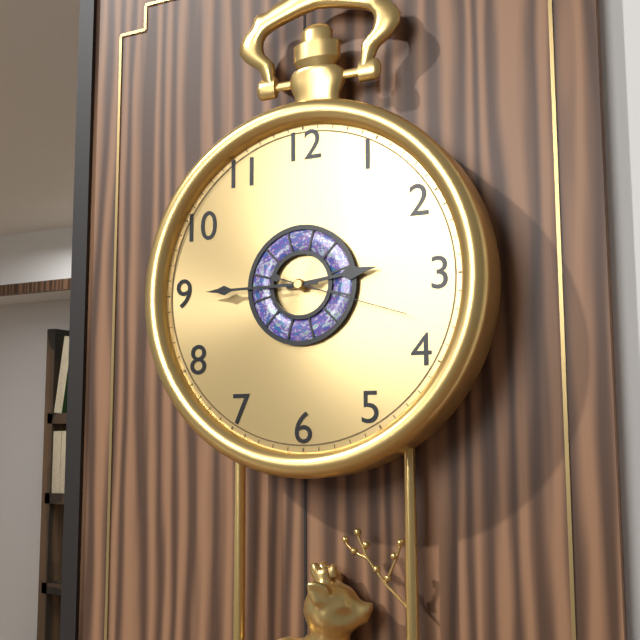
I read 2.45.18
